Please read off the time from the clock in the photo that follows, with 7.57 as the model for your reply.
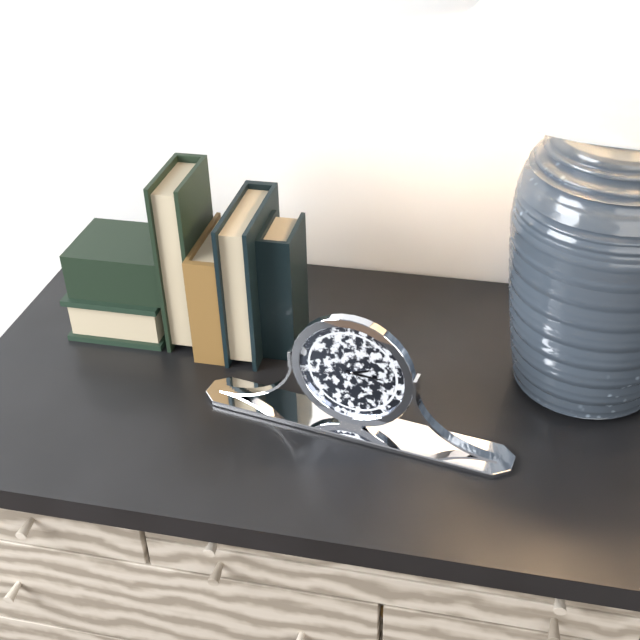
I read 2.15
